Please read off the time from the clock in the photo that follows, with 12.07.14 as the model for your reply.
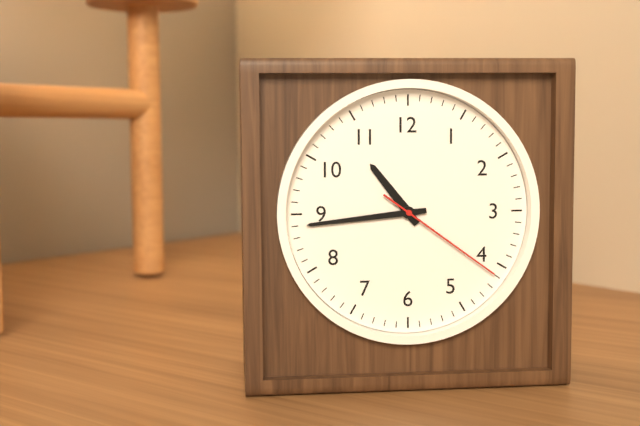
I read 10.44.21
